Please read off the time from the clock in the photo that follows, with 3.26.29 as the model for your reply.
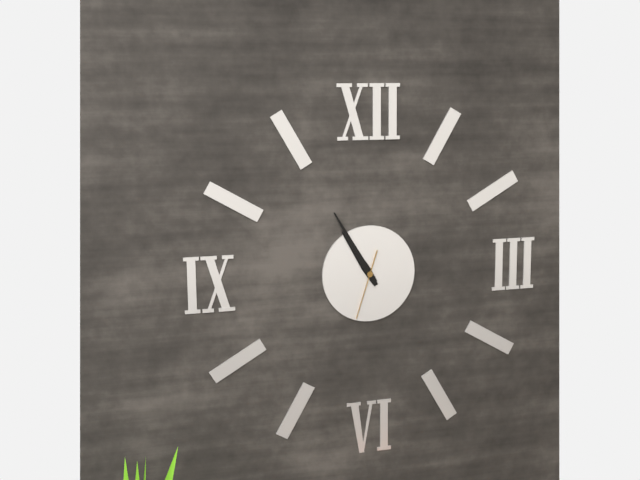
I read 10.55.33
